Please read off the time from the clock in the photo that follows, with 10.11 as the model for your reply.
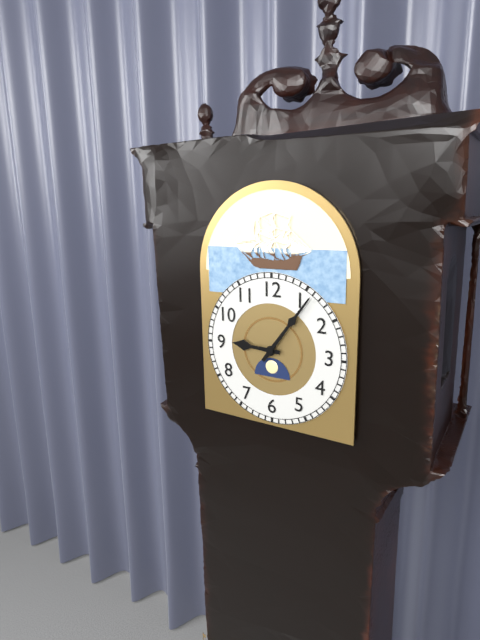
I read 9.06
